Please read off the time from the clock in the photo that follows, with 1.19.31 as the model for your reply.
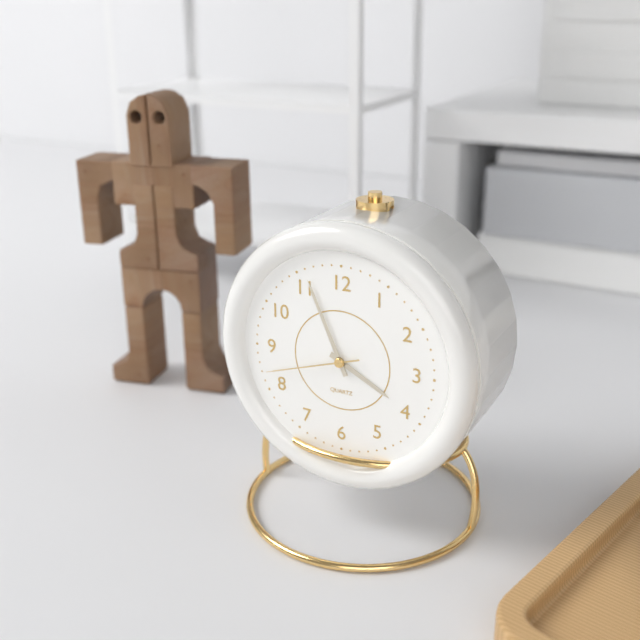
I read 3.56.42
